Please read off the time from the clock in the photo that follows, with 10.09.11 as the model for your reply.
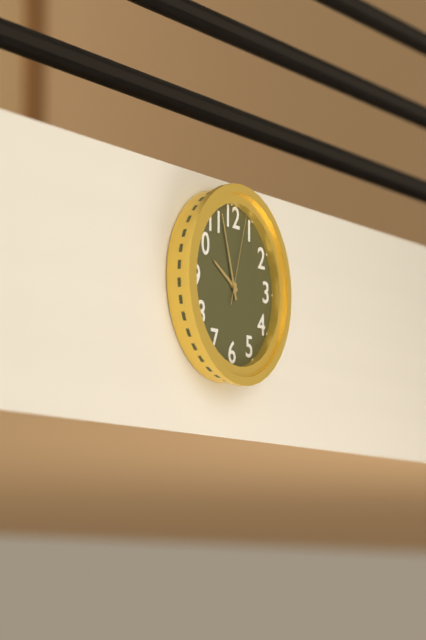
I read 9.57.03
